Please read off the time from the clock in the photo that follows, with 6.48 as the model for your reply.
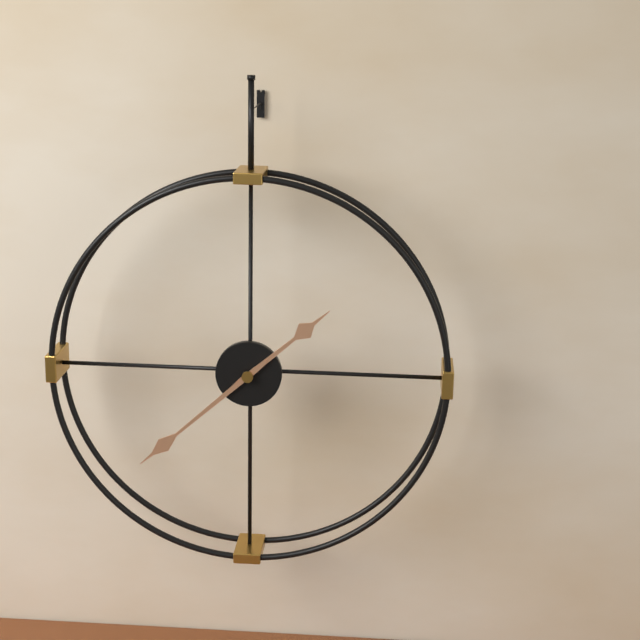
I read 1.38
